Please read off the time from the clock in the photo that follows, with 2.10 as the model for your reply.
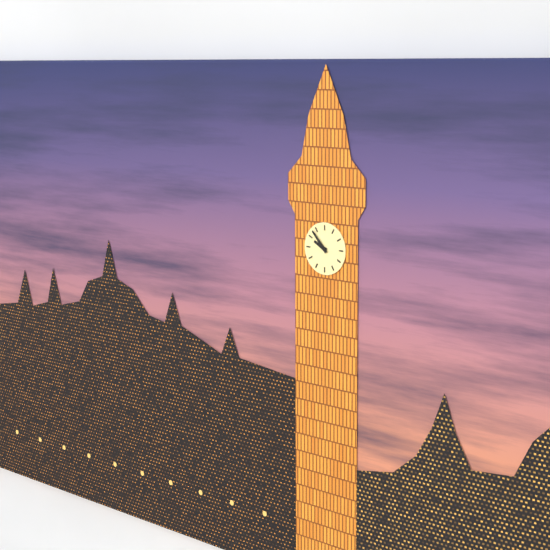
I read 9.53
